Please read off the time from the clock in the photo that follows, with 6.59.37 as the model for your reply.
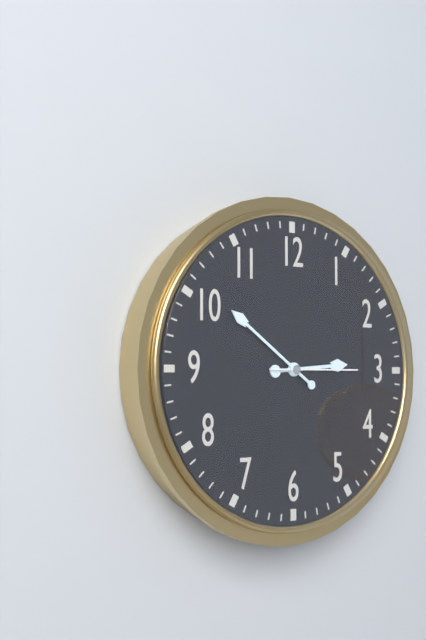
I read 2.51.15
